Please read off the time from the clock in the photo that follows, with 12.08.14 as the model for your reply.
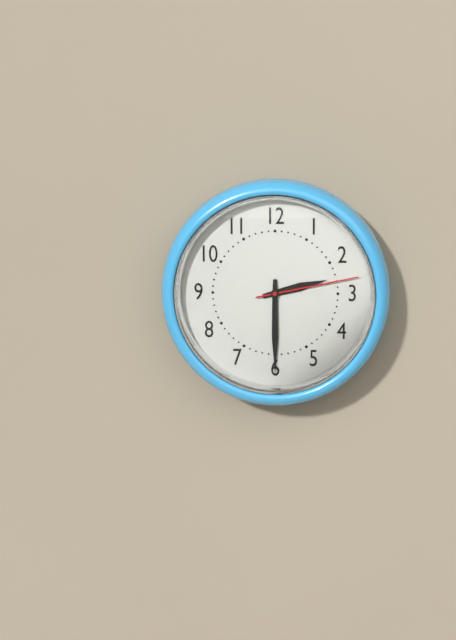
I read 2.30.13
